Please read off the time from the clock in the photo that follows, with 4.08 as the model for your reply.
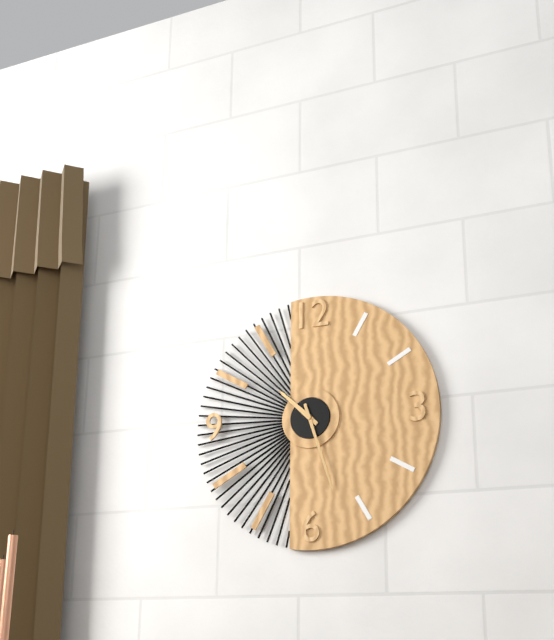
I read 10.27
